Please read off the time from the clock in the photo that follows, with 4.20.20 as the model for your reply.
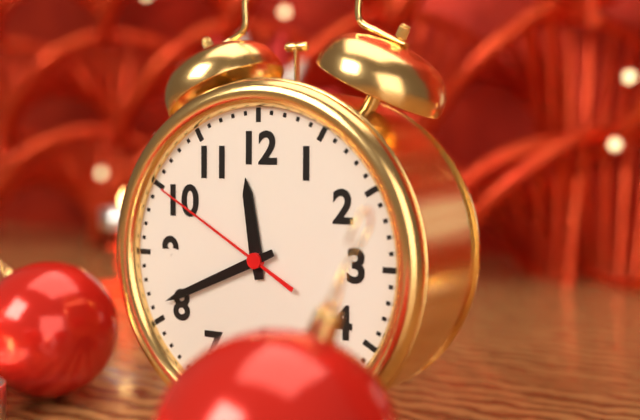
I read 11.41.50
